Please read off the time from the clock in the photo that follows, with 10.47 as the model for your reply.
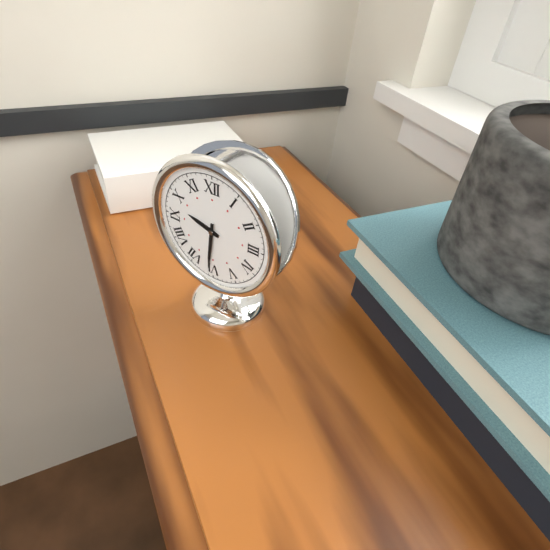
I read 9.31
